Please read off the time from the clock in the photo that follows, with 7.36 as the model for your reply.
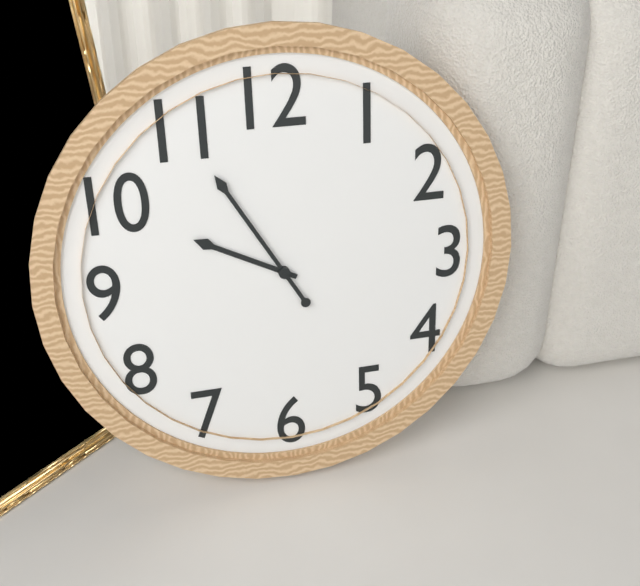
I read 9.55
